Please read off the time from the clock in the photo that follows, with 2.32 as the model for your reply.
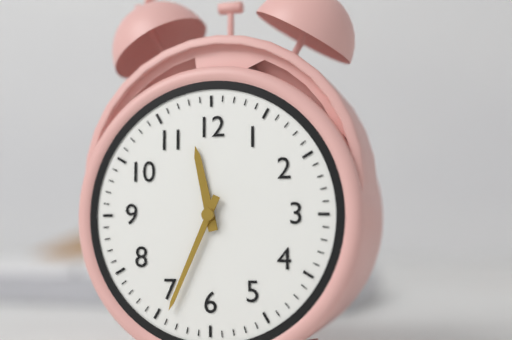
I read 11.34
